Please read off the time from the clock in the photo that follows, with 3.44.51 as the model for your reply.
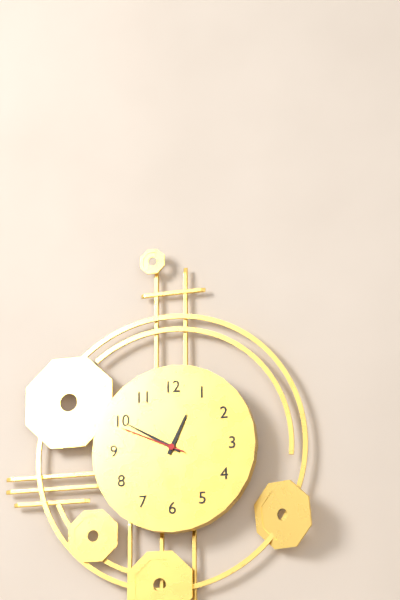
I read 12.50.49
